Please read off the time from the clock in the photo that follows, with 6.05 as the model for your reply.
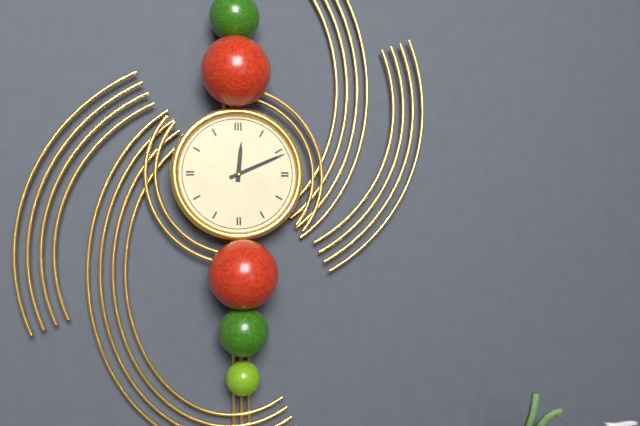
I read 12.11
